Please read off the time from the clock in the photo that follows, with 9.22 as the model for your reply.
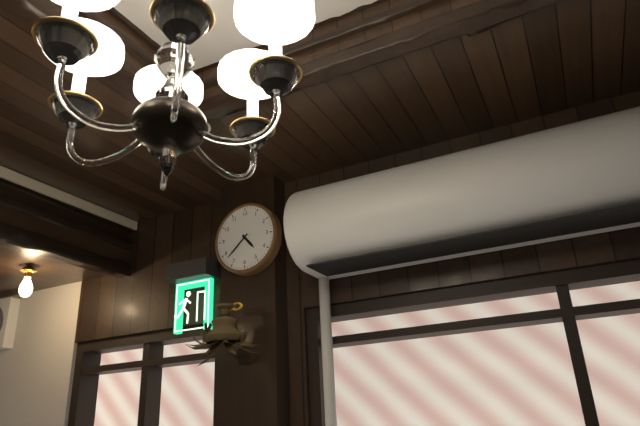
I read 4.38
